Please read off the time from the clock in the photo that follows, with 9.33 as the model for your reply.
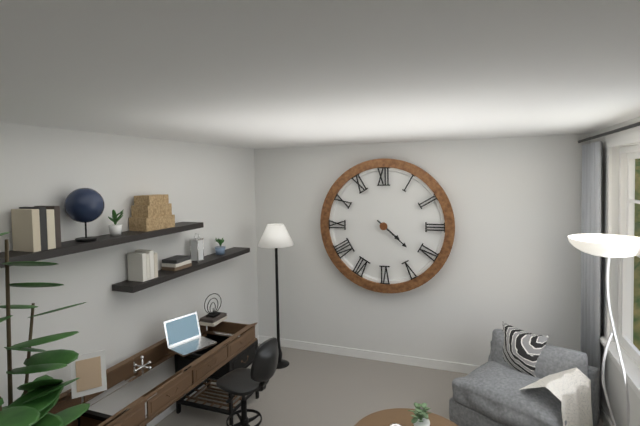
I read 4.22
